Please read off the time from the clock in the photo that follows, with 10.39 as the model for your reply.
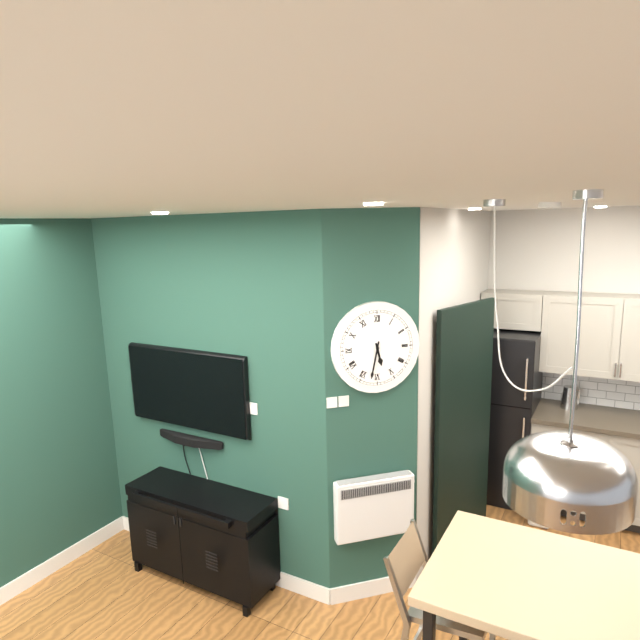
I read 5.32
